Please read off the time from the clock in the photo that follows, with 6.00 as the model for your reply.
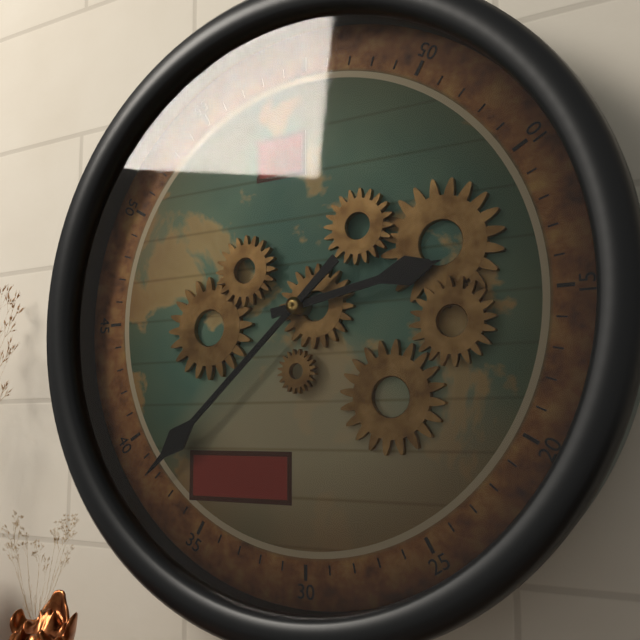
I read 2.38
